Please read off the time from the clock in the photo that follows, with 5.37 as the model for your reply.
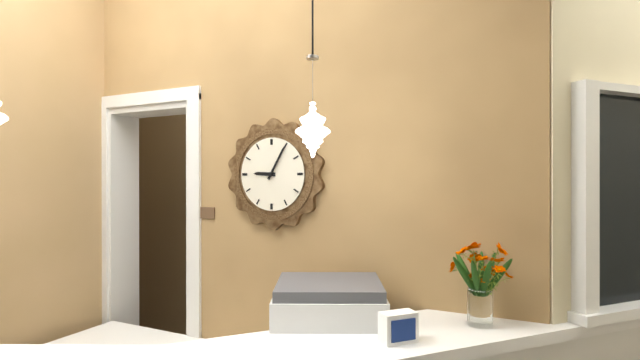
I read 9.05
